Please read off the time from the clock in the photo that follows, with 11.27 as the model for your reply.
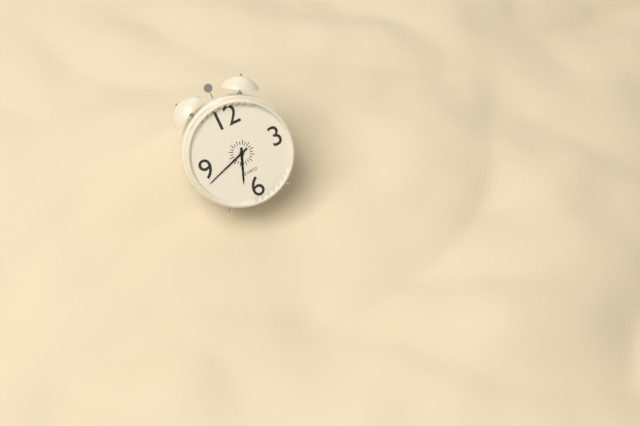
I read 6.42
